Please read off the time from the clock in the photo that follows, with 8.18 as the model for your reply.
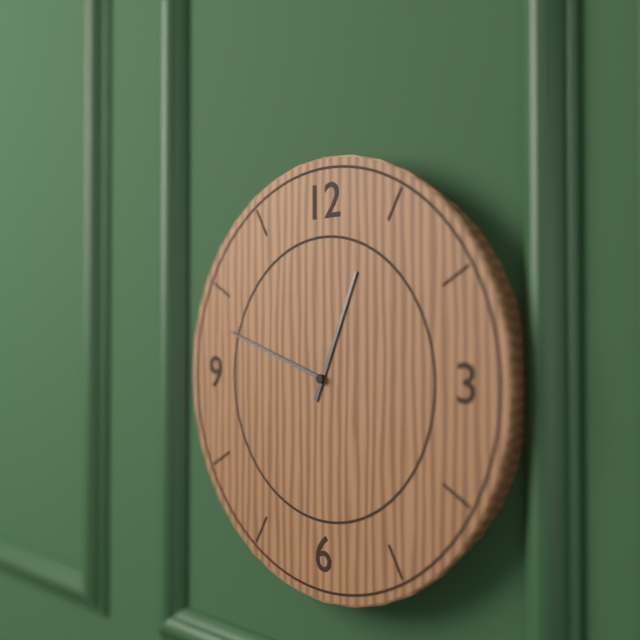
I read 12.48
